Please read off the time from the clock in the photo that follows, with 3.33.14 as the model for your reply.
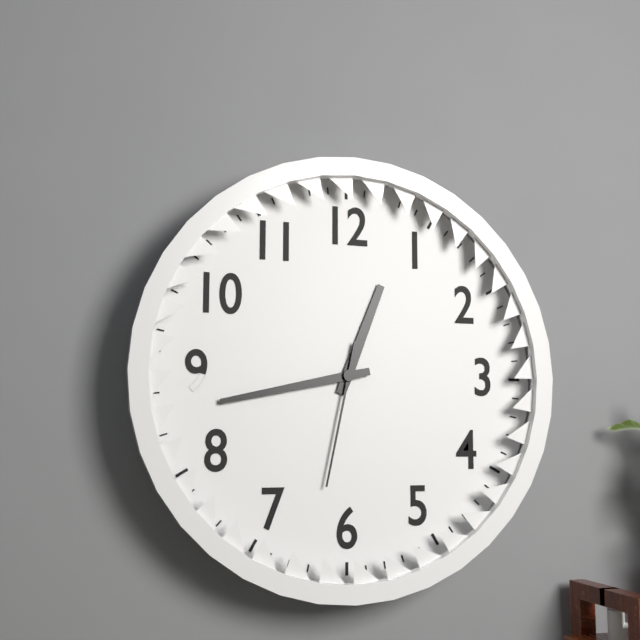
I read 12.43.32
